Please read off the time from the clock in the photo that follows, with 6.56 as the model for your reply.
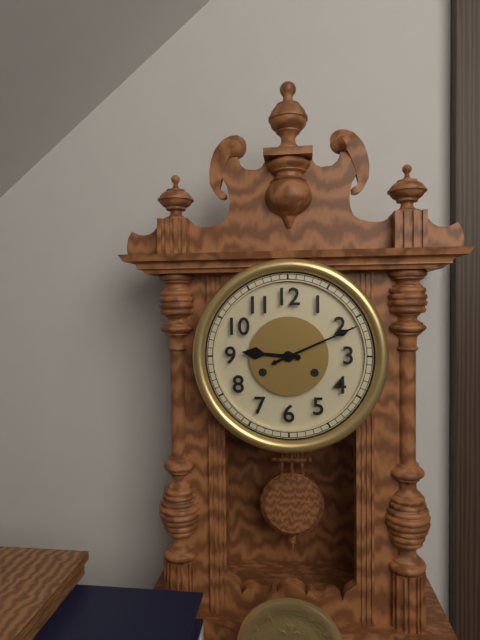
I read 9.11
